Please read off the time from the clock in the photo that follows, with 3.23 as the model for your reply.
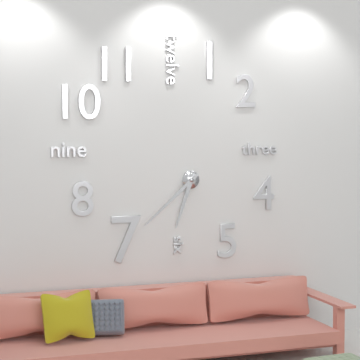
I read 6.38
